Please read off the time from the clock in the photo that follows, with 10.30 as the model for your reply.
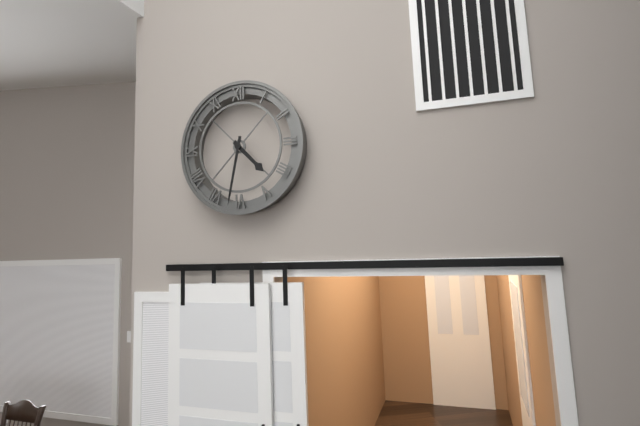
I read 4.32
